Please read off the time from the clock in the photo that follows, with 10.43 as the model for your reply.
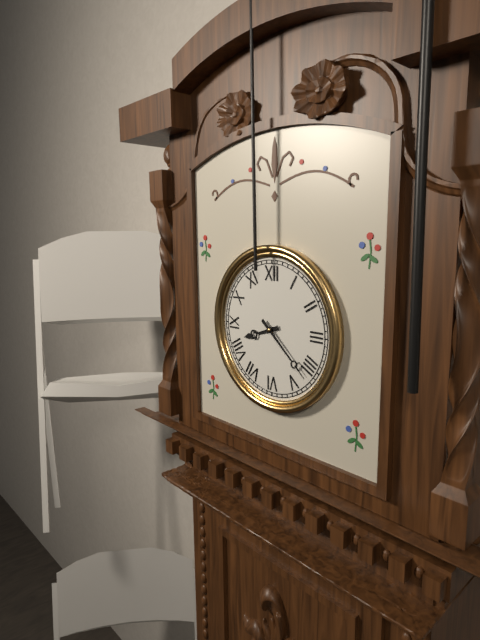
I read 8.22
